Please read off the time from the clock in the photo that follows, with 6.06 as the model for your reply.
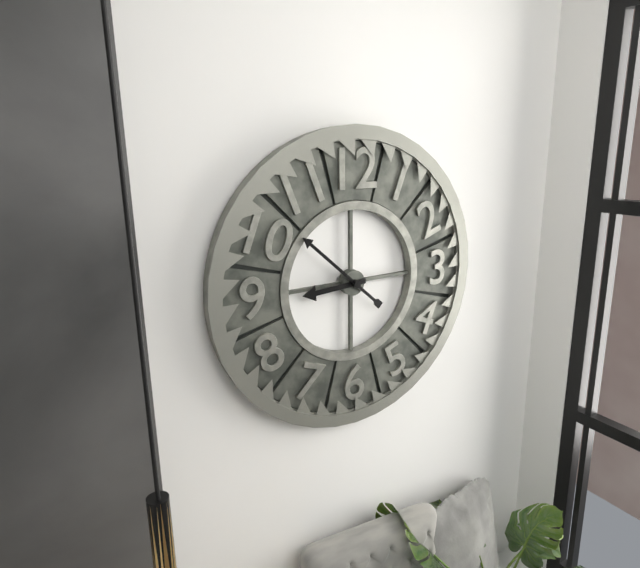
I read 8.52
